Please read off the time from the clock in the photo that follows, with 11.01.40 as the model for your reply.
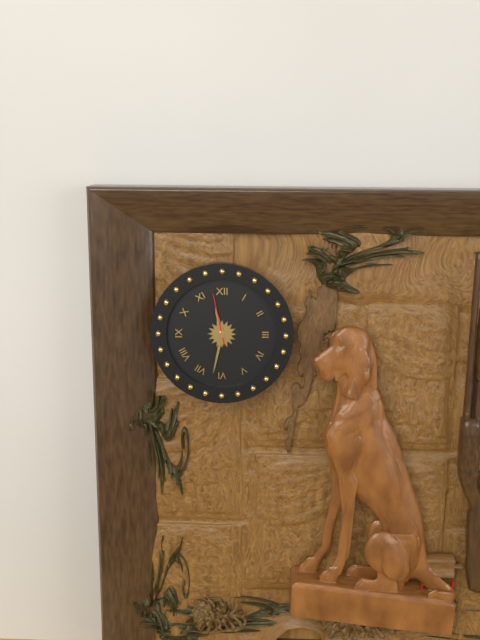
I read 11.32.58
